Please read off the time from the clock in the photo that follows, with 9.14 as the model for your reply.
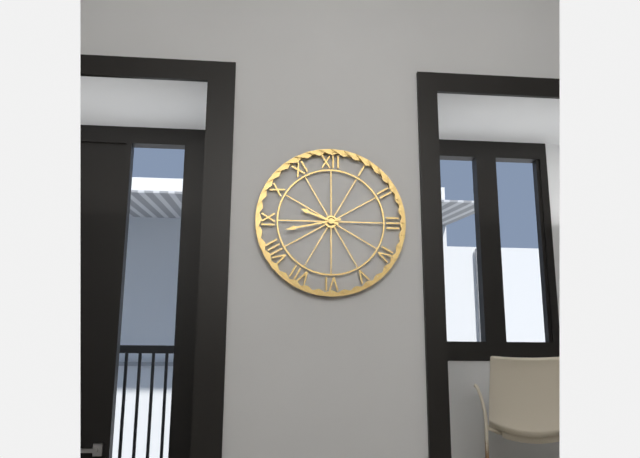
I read 9.43
